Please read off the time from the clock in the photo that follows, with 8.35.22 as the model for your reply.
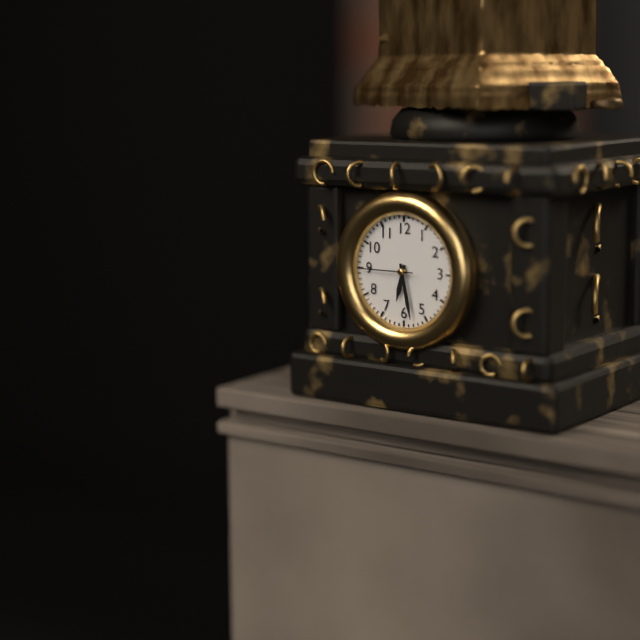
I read 6.28.45
